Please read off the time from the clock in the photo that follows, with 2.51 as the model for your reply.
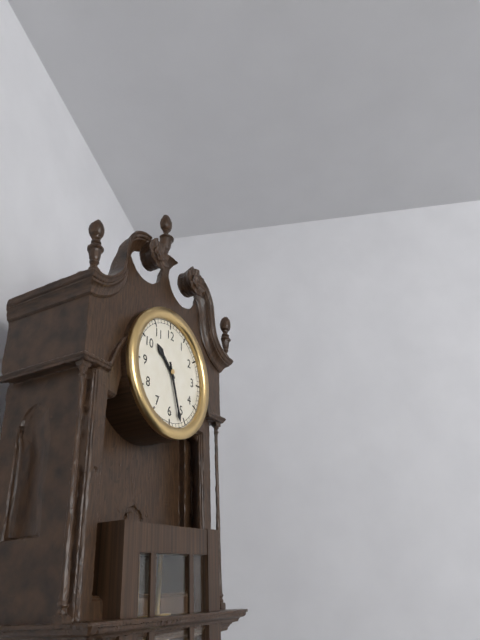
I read 10.27
